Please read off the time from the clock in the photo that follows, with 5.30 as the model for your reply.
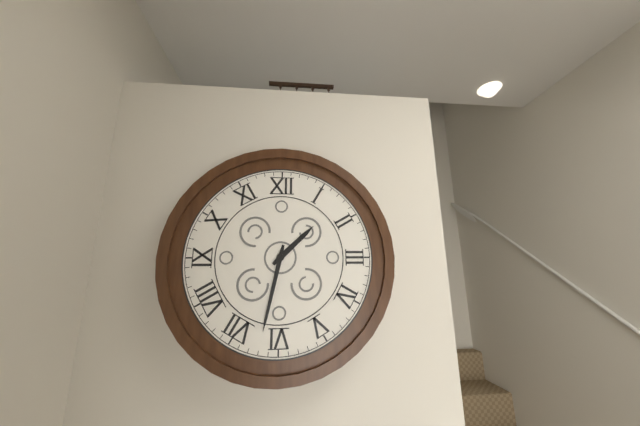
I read 1.32
